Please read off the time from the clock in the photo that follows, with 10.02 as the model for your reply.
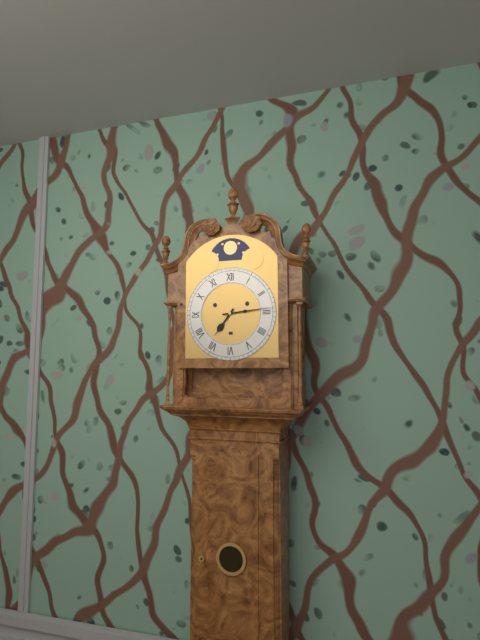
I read 7.14
